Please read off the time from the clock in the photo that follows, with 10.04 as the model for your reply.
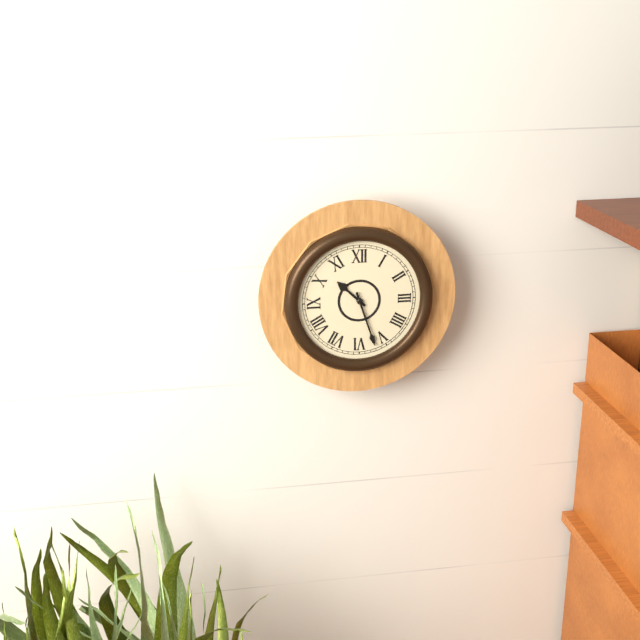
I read 10.27
